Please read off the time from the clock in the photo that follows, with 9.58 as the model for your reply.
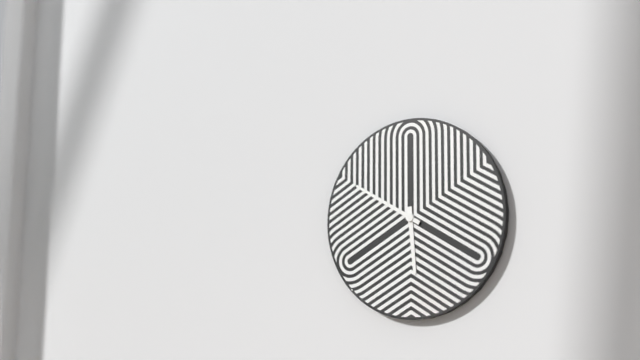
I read 5.50
